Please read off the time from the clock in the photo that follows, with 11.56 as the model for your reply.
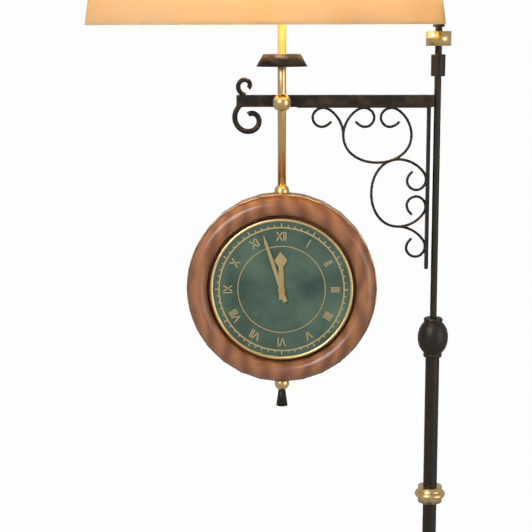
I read 11.57
